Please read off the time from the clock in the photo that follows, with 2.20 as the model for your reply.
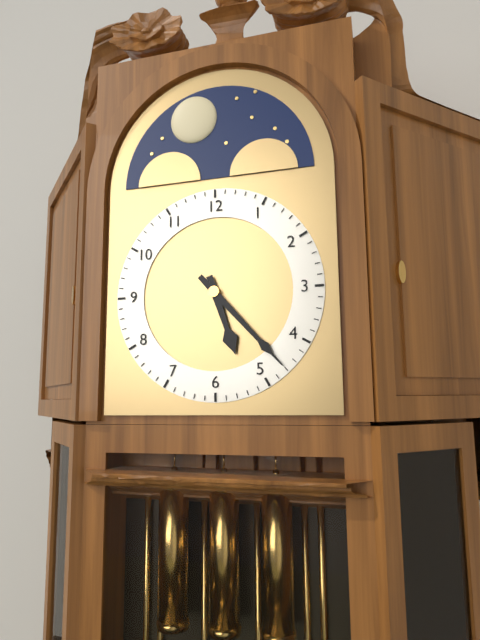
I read 5.23
